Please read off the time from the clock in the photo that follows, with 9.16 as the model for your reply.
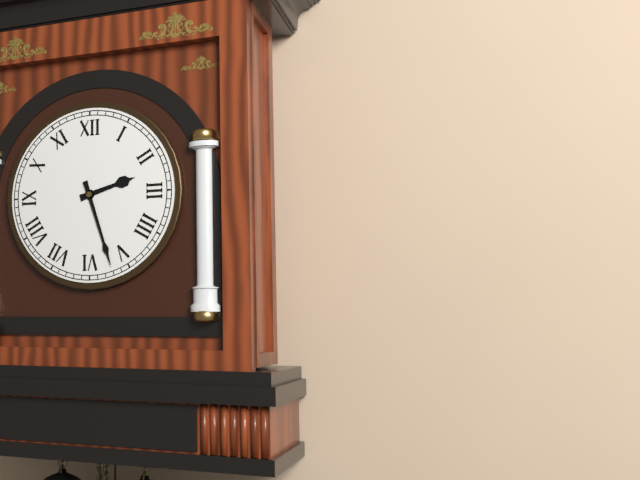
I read 2.27
